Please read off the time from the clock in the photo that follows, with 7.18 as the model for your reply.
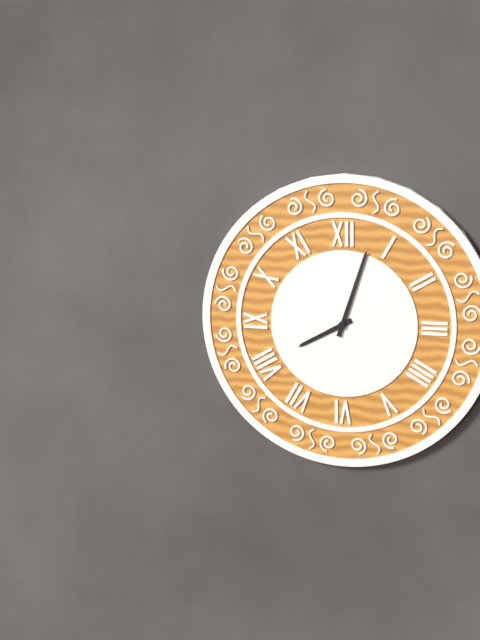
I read 8.03
